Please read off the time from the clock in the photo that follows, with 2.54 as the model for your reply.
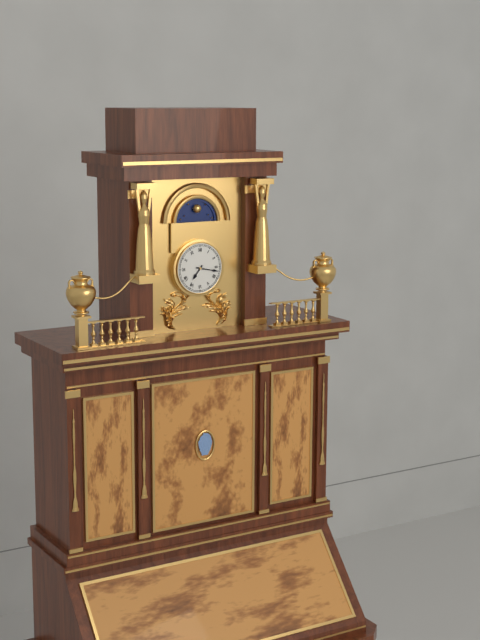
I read 7.17
